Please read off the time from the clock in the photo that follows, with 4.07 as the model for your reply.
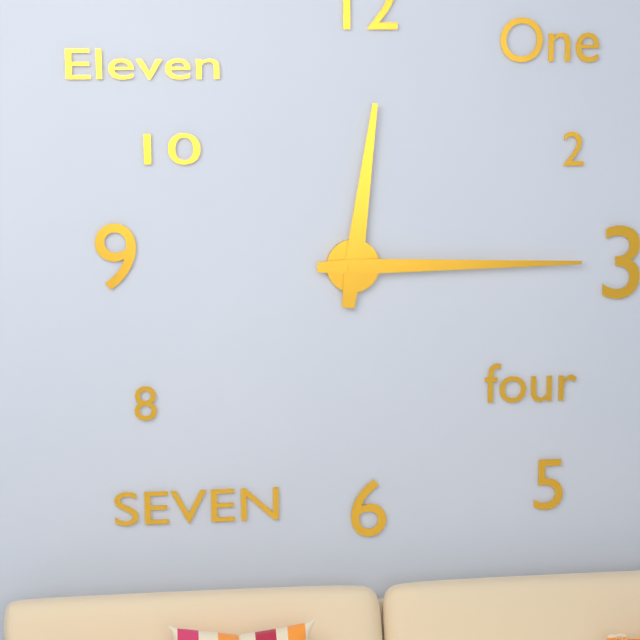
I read 12.15
